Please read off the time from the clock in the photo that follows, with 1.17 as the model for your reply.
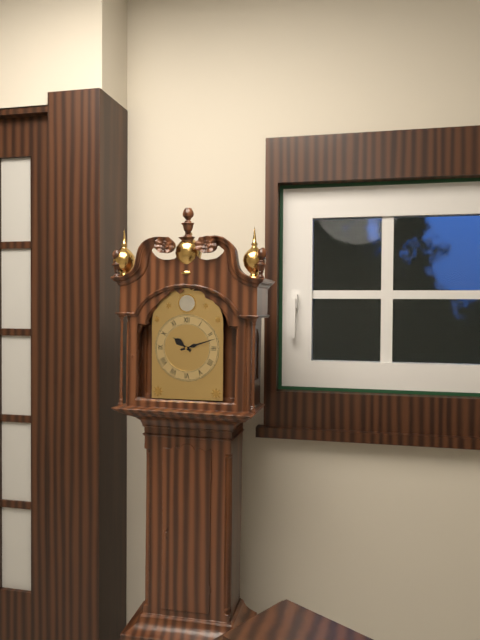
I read 10.12
